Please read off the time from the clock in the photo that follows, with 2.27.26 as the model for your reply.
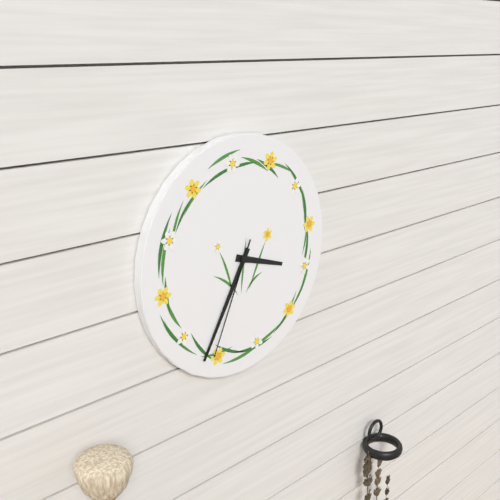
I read 3.35.34
